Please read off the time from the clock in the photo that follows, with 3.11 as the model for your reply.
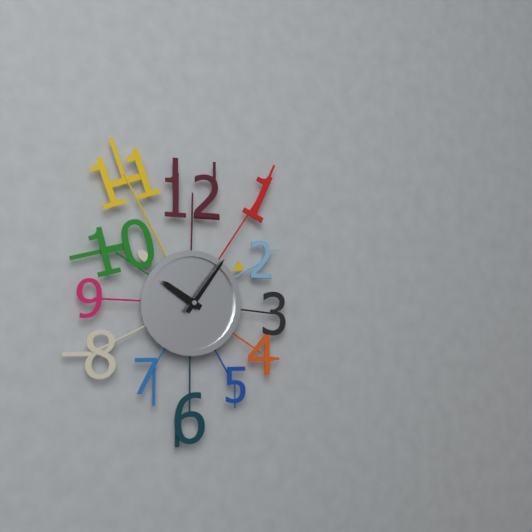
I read 10.06
